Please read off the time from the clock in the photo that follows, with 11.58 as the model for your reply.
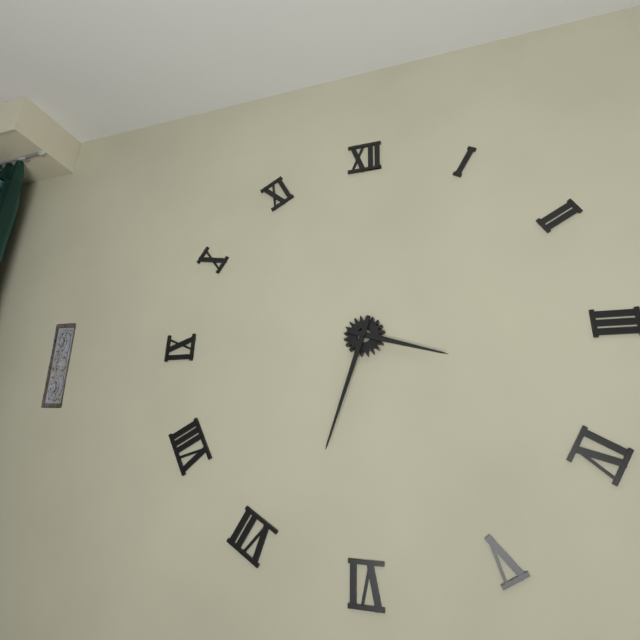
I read 3.33
